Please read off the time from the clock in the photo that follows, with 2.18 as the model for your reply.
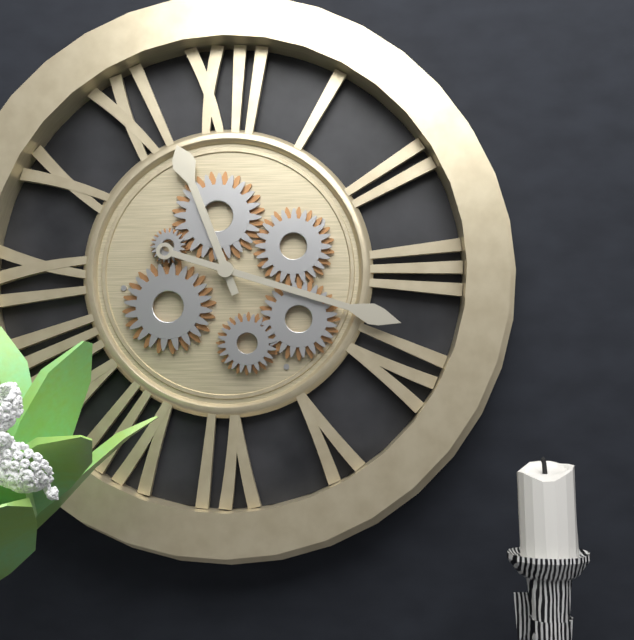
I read 11.18
